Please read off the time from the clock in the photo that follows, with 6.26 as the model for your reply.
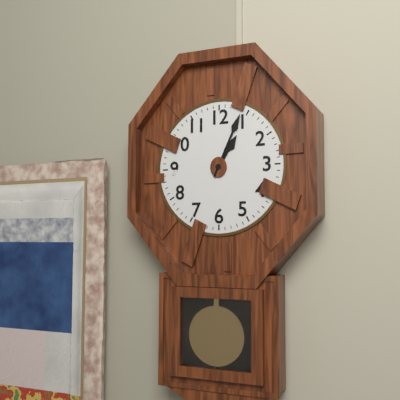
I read 1.04
